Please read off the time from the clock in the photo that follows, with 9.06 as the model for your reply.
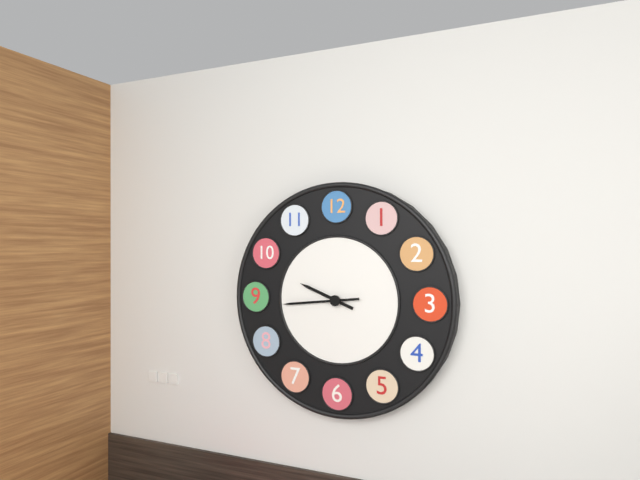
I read 9.44
